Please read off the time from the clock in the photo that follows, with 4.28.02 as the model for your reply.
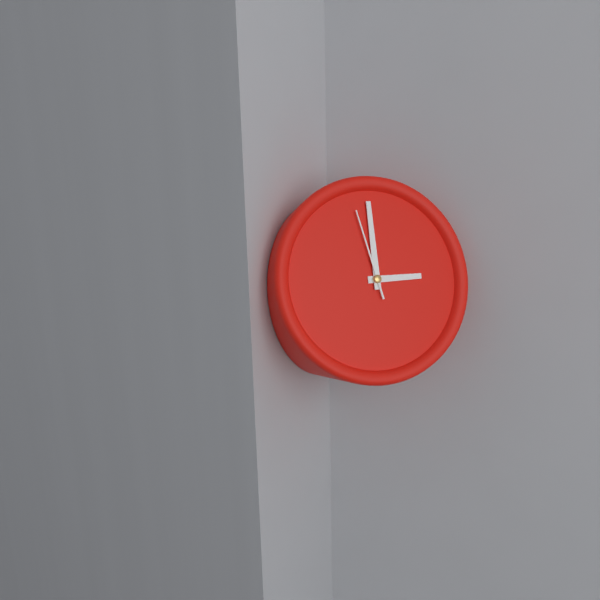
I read 3.00.58
